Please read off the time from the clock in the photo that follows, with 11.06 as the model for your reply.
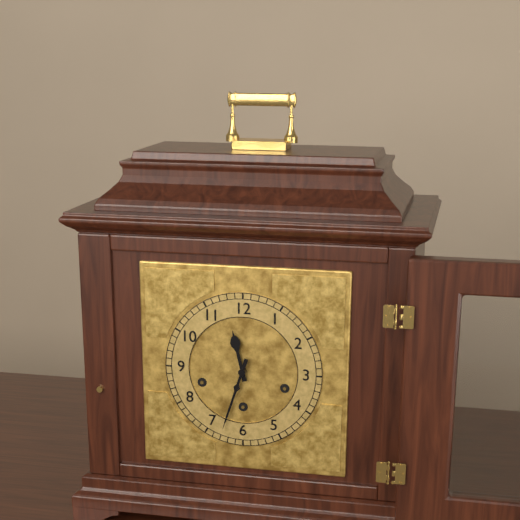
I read 11.33
